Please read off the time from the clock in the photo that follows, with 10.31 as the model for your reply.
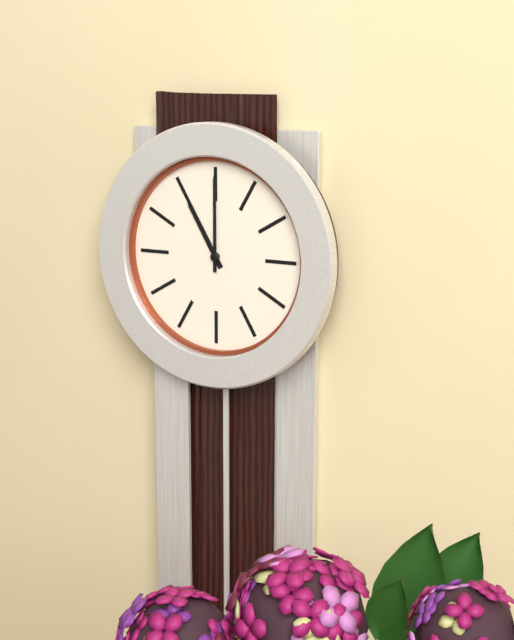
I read 11.00
